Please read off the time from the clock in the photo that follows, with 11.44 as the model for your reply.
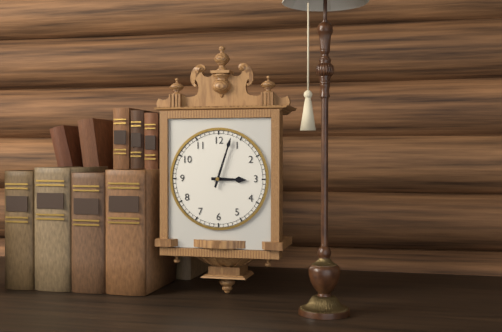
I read 3.03
